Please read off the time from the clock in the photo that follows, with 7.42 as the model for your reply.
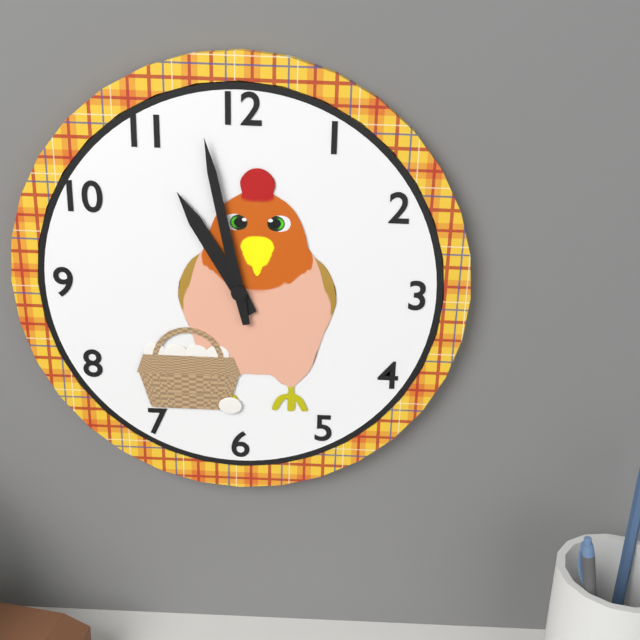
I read 10.58
